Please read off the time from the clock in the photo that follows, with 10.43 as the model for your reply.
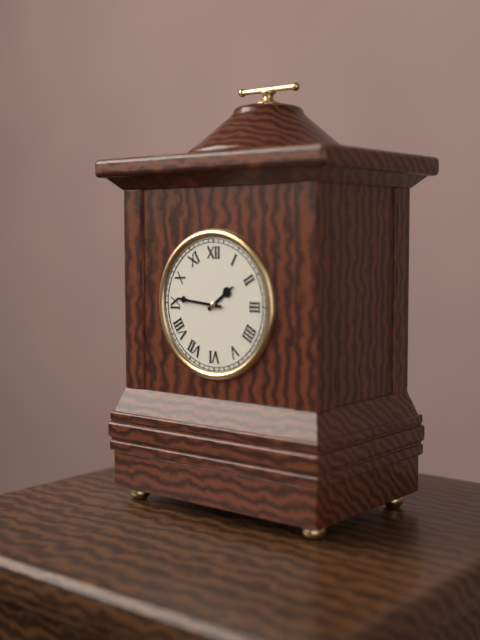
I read 1.46
